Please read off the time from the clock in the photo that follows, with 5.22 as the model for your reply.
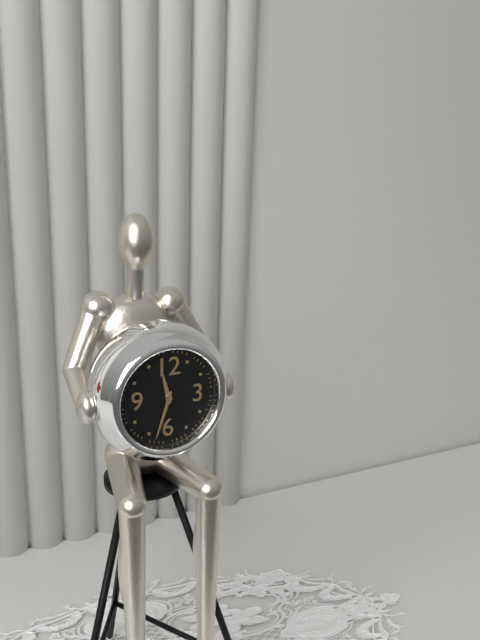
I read 11.33
